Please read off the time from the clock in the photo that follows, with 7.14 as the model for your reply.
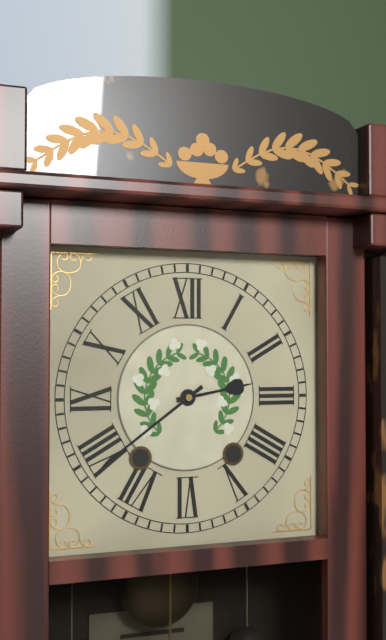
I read 2.39
